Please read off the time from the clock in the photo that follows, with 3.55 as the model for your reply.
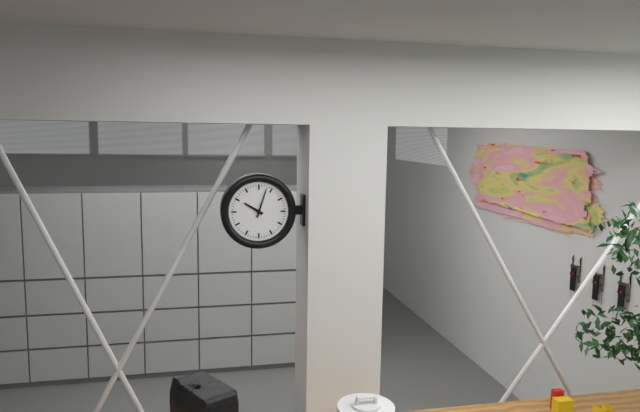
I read 10.03
